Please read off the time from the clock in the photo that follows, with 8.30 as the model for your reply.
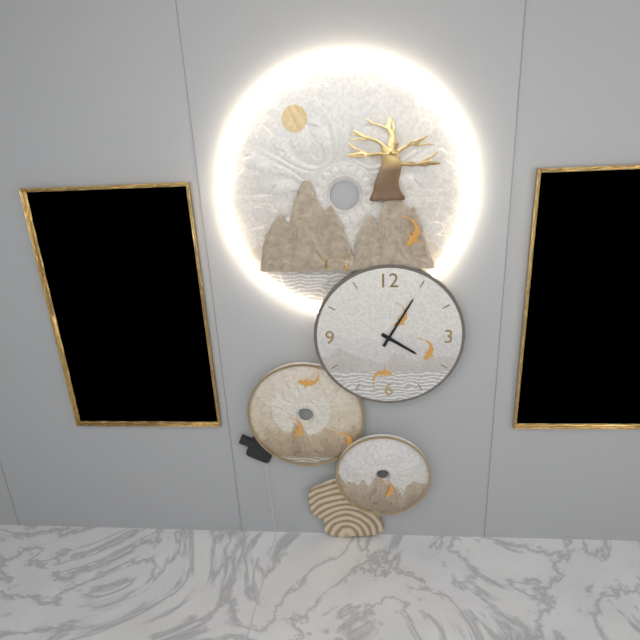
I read 4.05
